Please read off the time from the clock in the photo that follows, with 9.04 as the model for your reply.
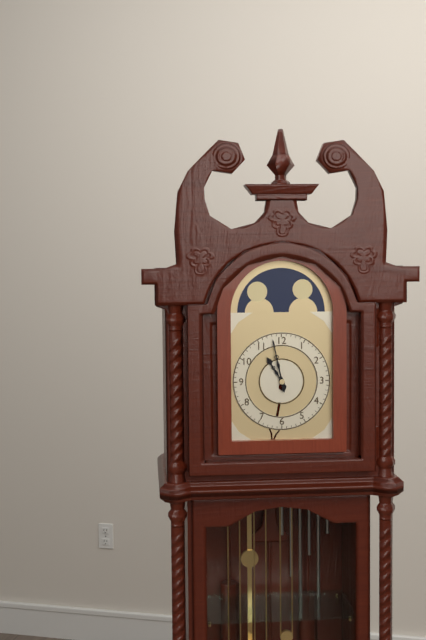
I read 10.58
